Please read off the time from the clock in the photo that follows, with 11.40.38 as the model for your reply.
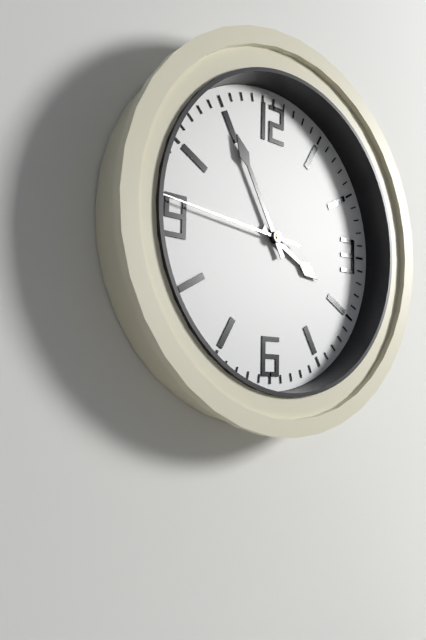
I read 3.55.46
